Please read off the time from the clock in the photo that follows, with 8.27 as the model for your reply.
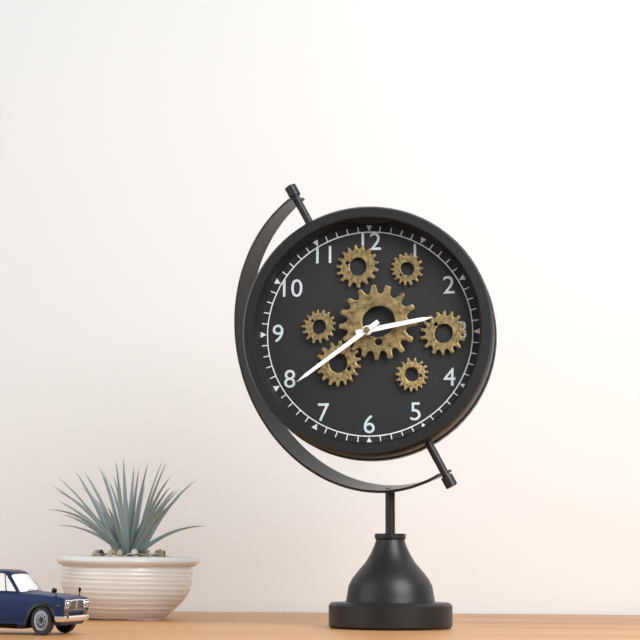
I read 2.39
